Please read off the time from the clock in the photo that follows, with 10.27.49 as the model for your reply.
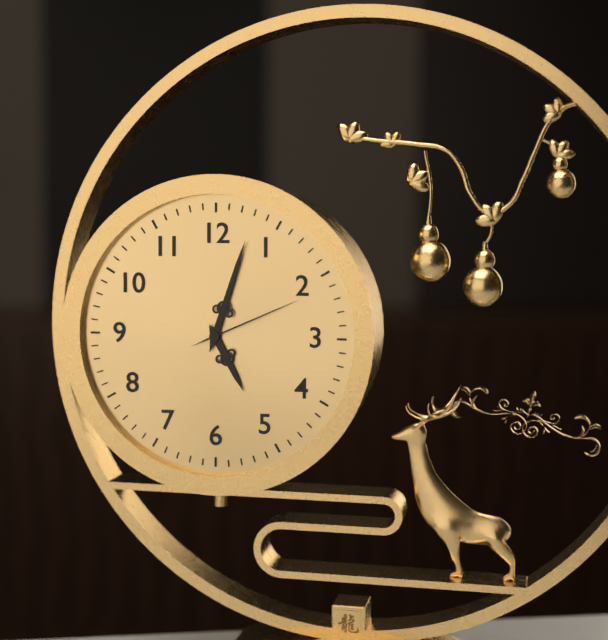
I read 5.03.11
